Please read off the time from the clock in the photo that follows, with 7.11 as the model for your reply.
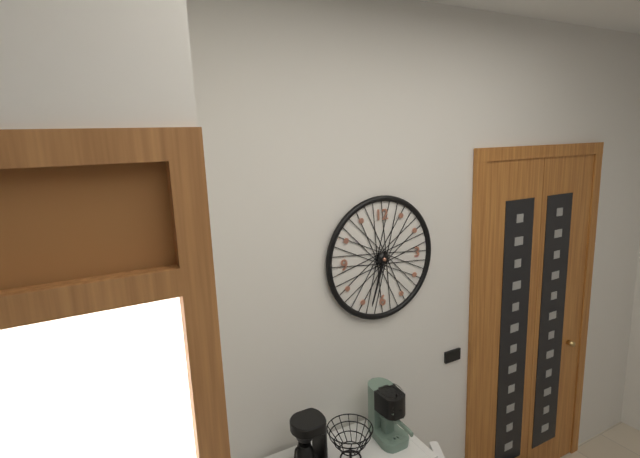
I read 6.33
